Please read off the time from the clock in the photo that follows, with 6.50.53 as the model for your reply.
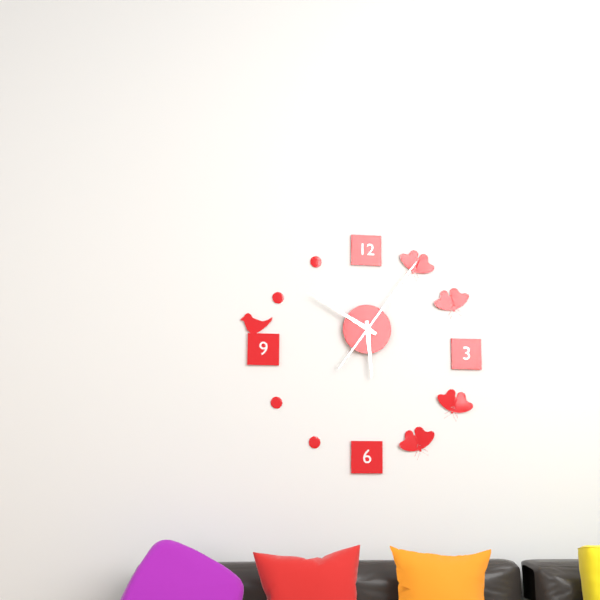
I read 5.50.06
